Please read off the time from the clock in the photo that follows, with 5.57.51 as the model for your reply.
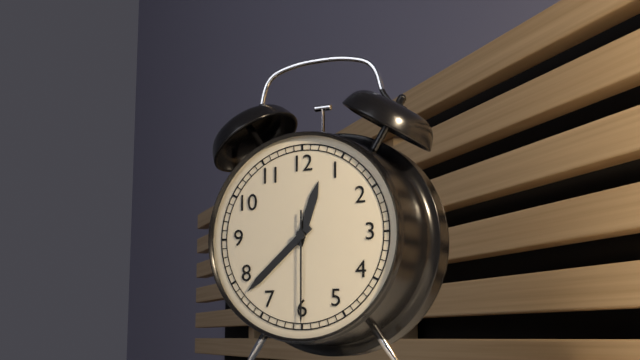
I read 12.38.30
